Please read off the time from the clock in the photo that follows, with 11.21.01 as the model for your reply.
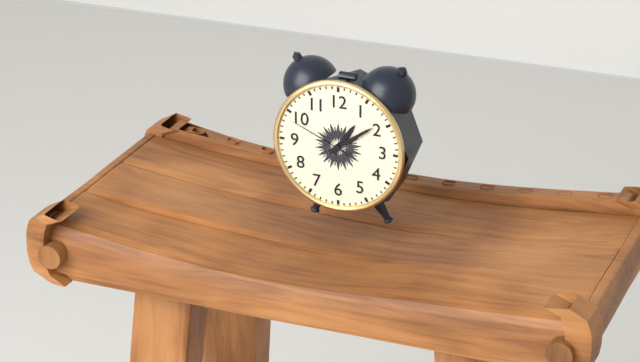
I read 1.09.49
